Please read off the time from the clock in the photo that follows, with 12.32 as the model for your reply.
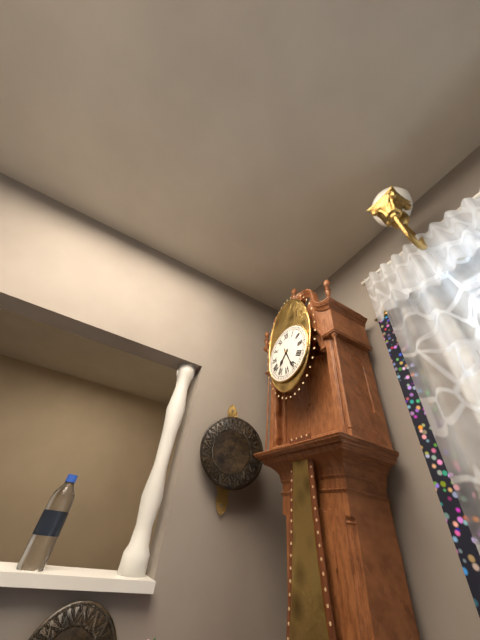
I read 7.26
